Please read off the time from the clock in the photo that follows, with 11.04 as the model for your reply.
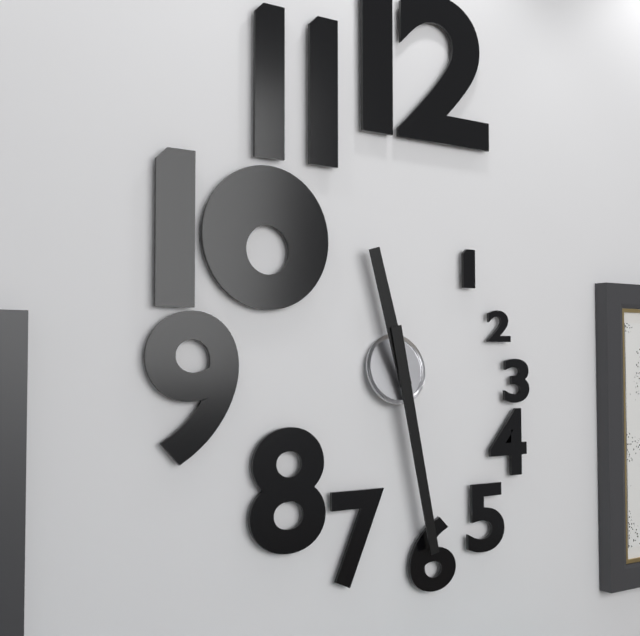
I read 11.28
